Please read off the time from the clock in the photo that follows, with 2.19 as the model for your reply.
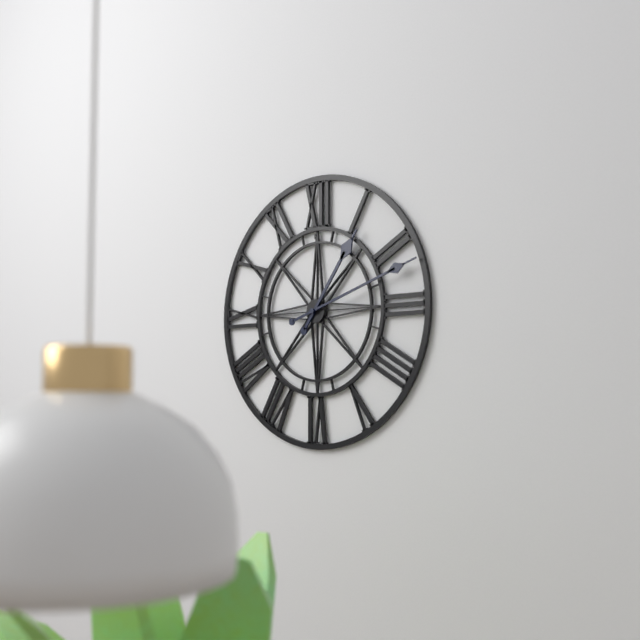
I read 1.12
